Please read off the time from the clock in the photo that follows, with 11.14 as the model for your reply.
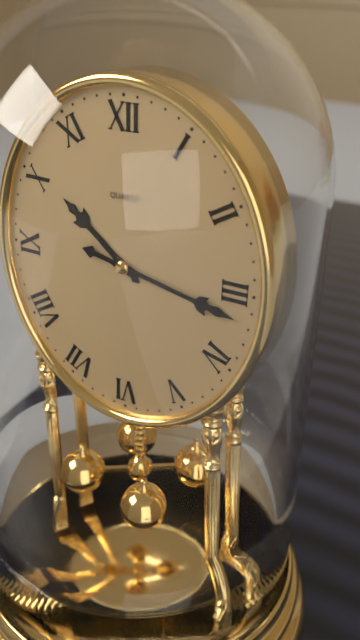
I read 10.17
